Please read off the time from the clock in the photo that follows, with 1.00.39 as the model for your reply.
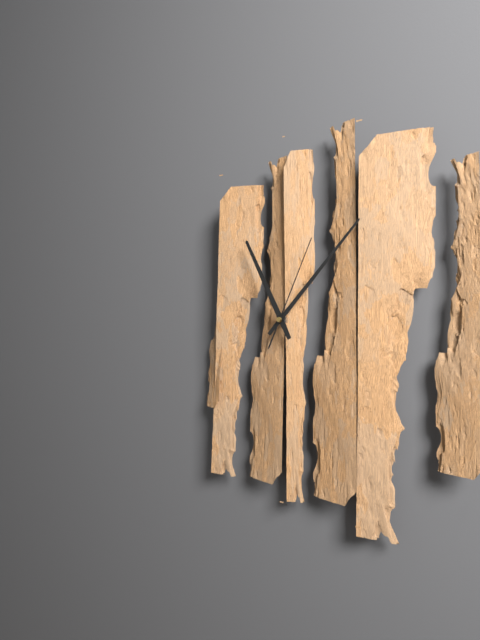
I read 11.07.04
